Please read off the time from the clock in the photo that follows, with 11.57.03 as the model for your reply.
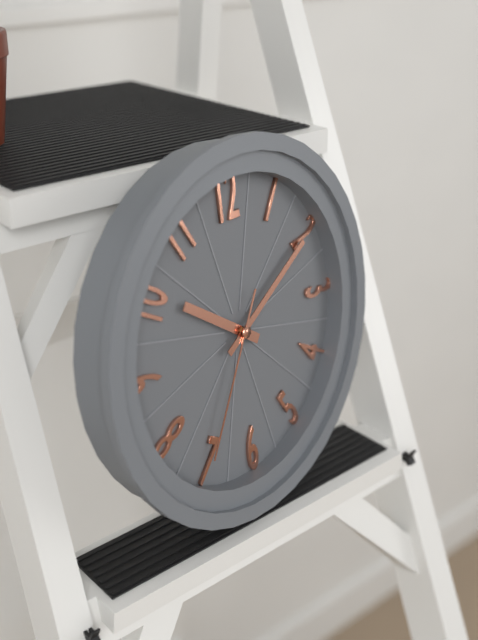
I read 10.10.35
